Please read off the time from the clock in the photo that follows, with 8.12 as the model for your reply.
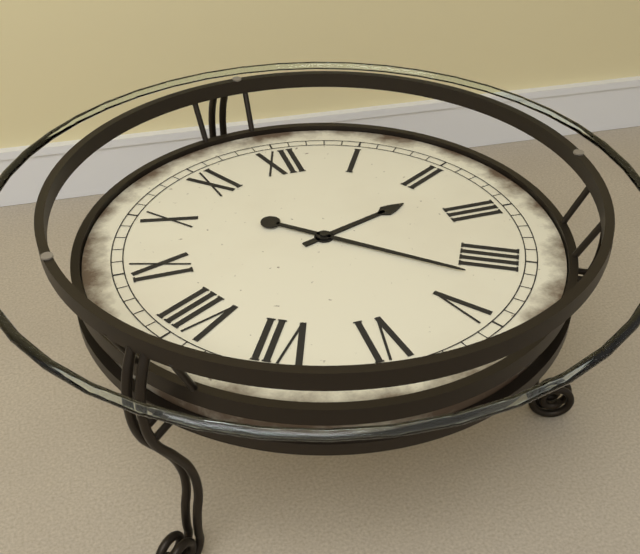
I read 2.22
